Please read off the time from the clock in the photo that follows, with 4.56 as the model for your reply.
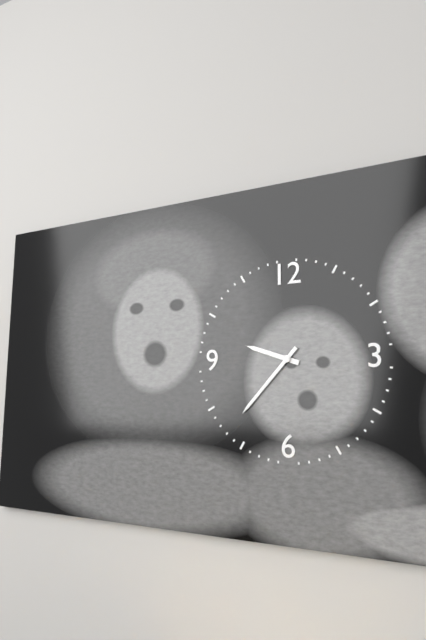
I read 9.37
